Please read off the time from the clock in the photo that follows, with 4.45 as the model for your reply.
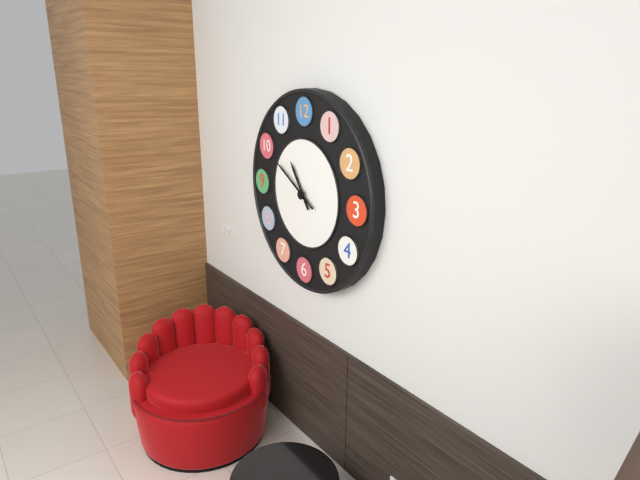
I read 10.50
